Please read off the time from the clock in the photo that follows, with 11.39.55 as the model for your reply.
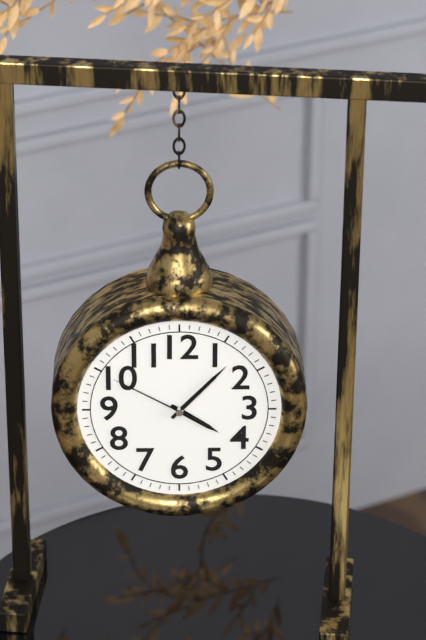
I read 4.07.50
